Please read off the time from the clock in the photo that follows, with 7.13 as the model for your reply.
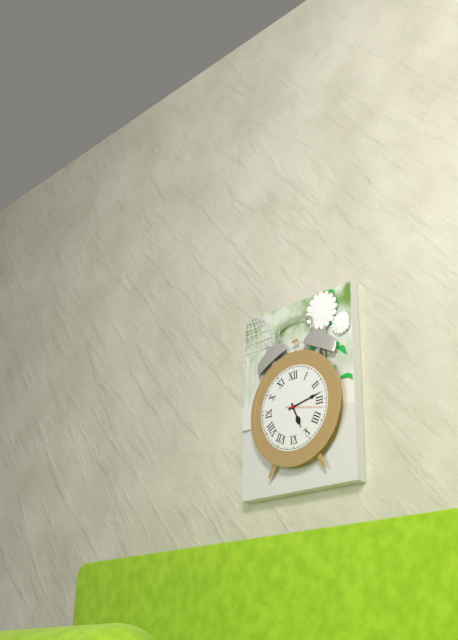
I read 5.13
